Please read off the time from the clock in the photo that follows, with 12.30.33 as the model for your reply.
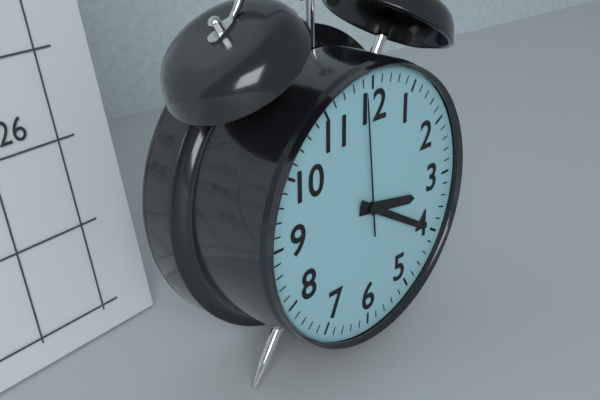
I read 3.20.59
